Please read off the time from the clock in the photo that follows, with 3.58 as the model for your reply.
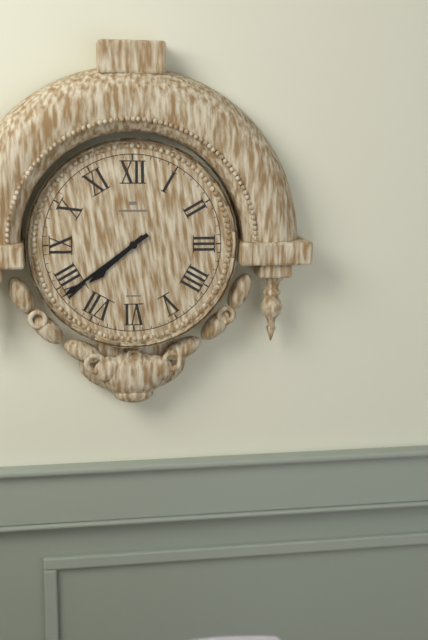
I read 7.39
